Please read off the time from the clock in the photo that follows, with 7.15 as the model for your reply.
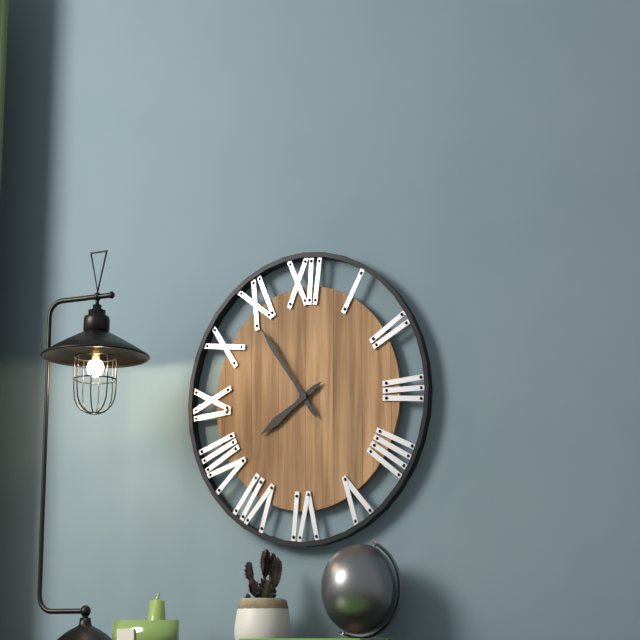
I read 7.54
